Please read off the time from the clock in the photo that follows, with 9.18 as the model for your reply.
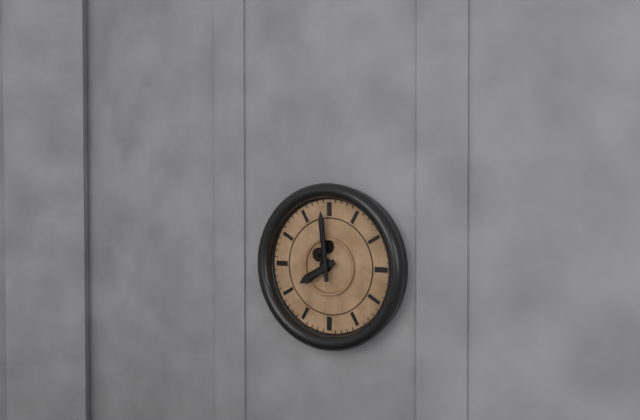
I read 7.59
